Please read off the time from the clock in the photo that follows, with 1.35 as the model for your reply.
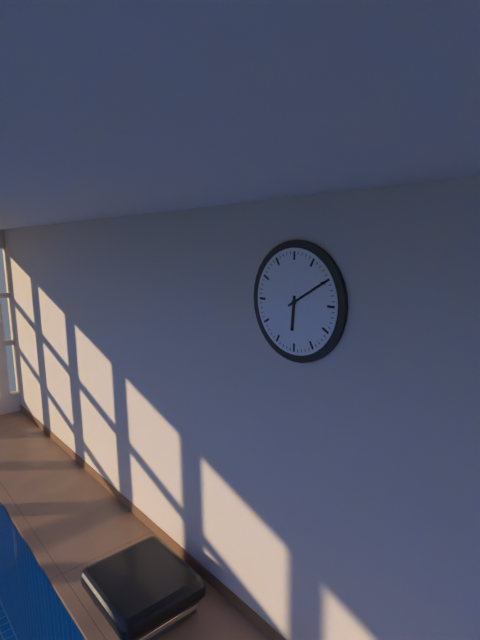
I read 6.10
